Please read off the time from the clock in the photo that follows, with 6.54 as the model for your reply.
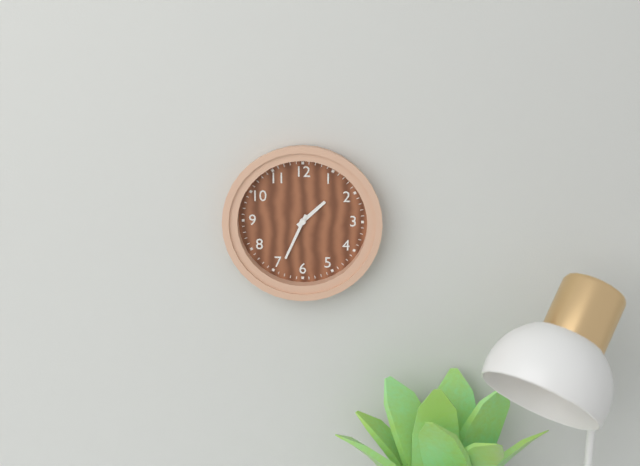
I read 1.34
